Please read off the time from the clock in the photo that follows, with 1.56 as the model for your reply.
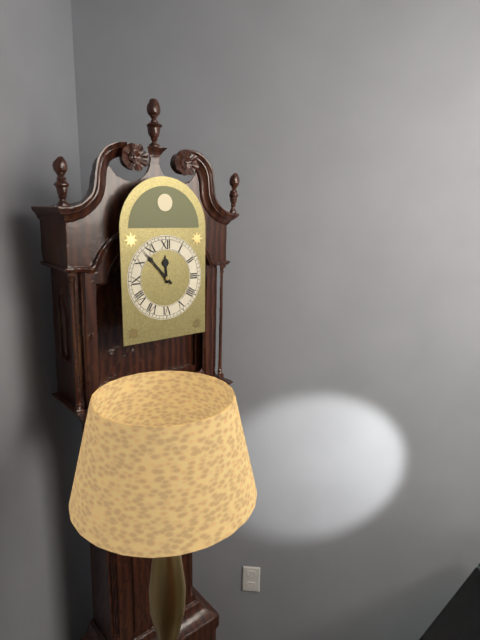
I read 11.53
